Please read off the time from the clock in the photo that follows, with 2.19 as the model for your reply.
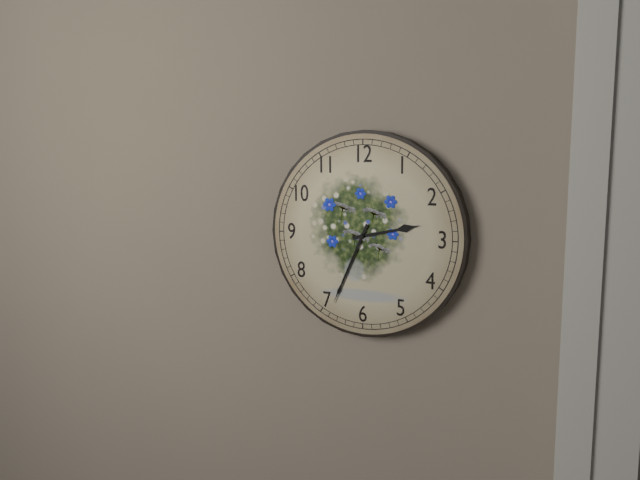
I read 2.34
